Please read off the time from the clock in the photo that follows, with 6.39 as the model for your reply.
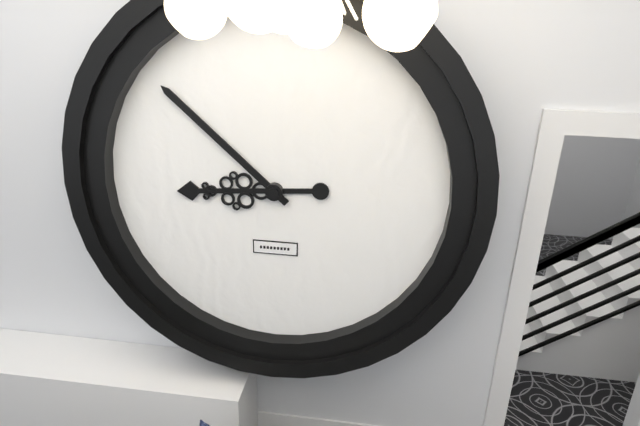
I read 8.52
